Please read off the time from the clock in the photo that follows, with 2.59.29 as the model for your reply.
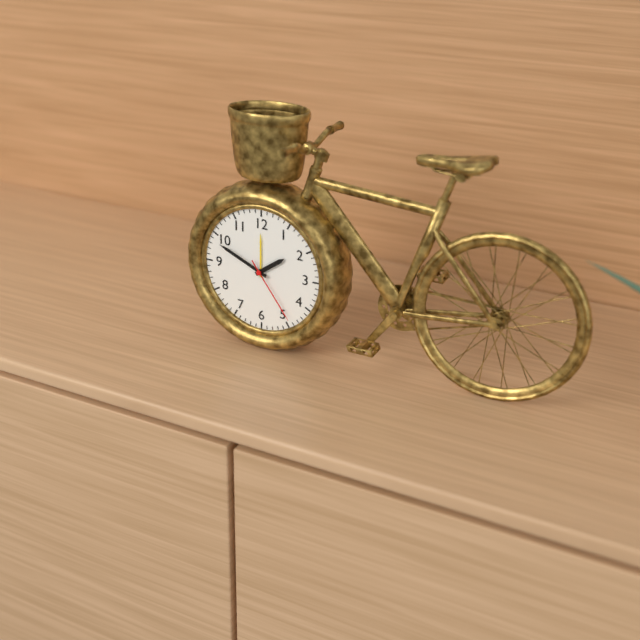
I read 1.49.24
